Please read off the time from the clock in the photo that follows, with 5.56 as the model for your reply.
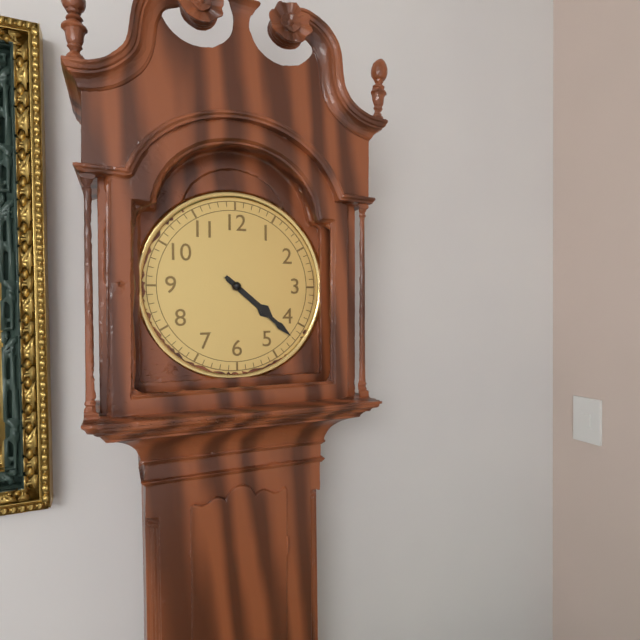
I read 4.22
